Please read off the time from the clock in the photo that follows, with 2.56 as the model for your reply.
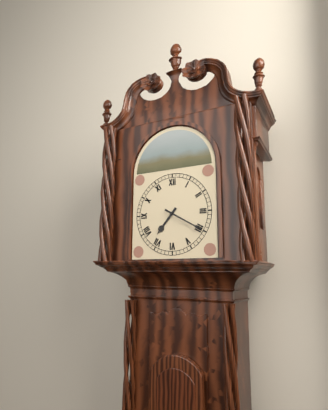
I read 7.20
